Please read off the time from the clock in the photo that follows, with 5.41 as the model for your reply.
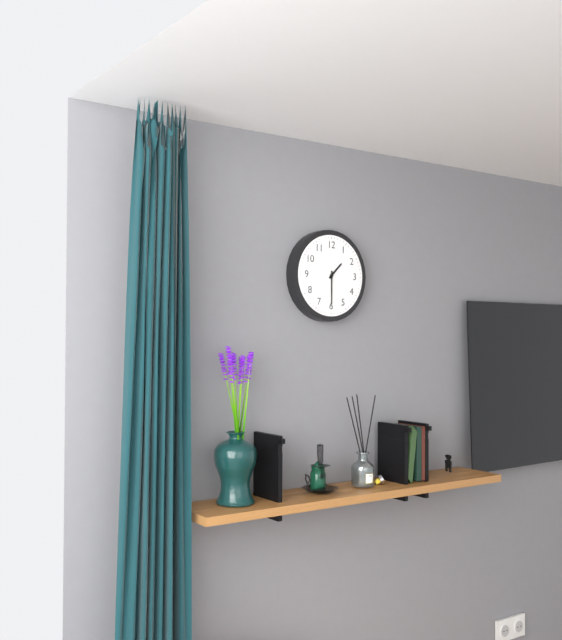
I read 1.30
